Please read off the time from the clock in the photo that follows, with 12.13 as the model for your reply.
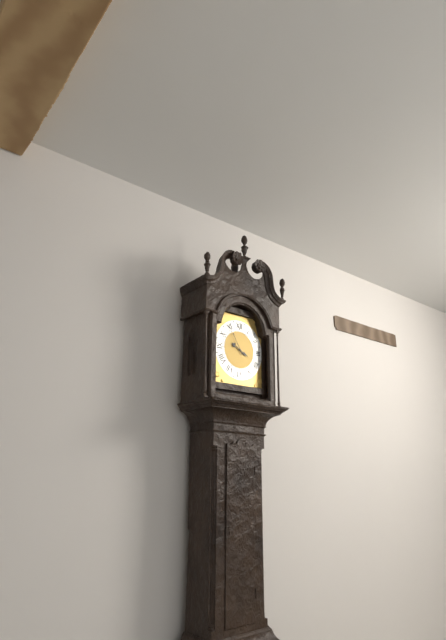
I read 3.55
